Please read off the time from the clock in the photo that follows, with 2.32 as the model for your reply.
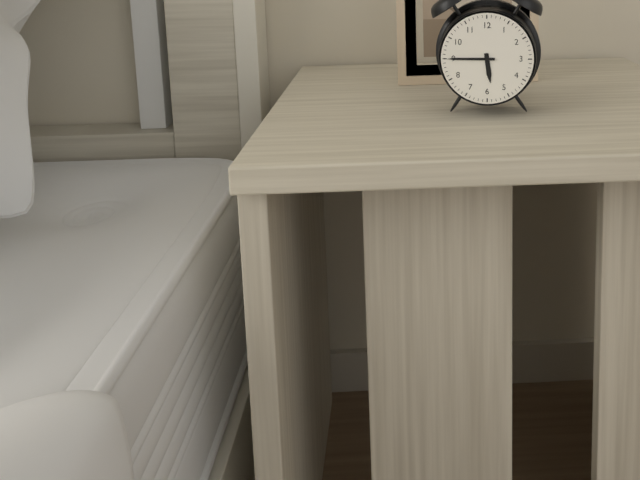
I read 5.45
